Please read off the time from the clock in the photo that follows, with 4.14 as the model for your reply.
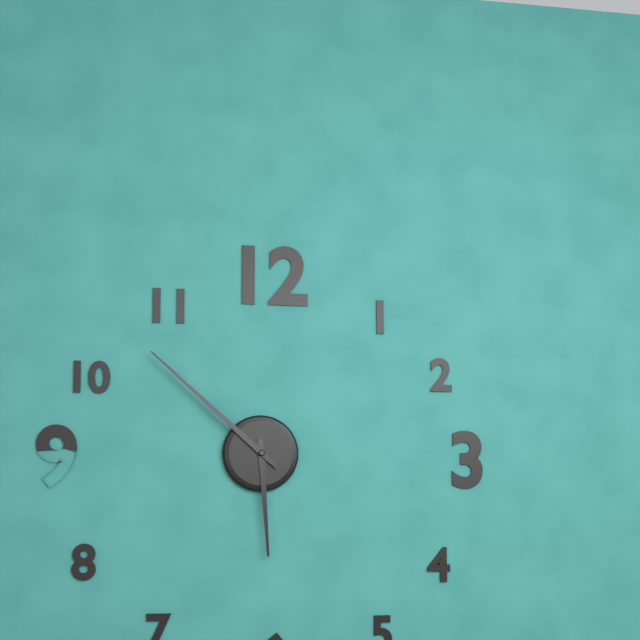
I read 5.52
